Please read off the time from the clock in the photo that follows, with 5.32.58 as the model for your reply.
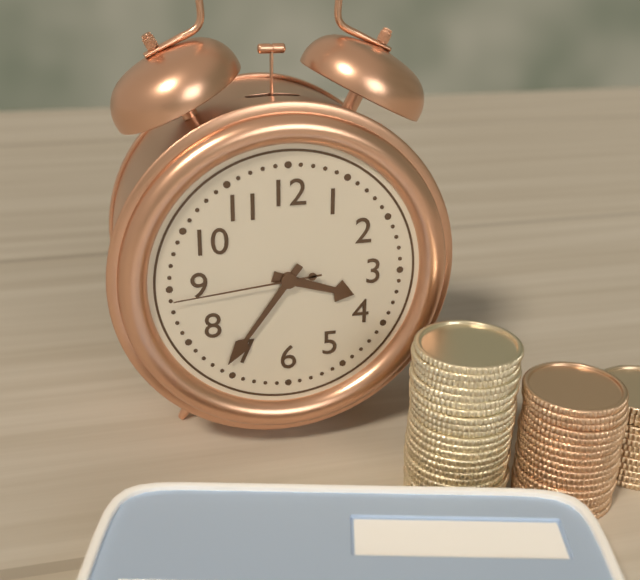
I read 3.36.44
